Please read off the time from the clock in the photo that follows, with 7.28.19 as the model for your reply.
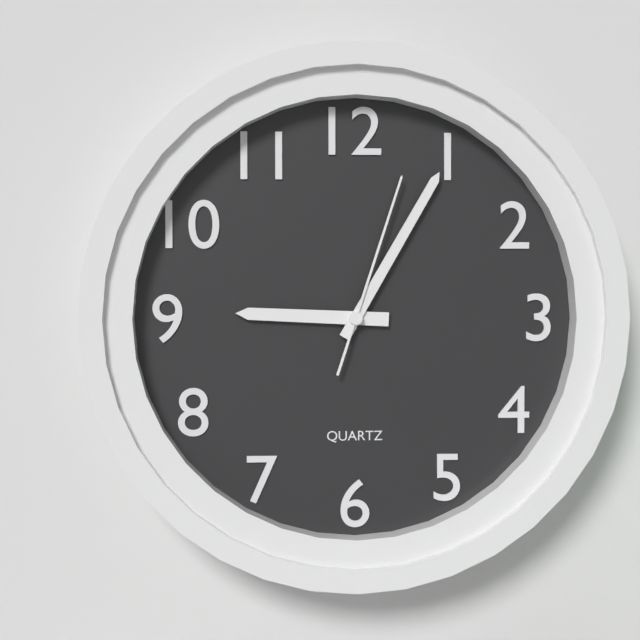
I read 9.05.03
